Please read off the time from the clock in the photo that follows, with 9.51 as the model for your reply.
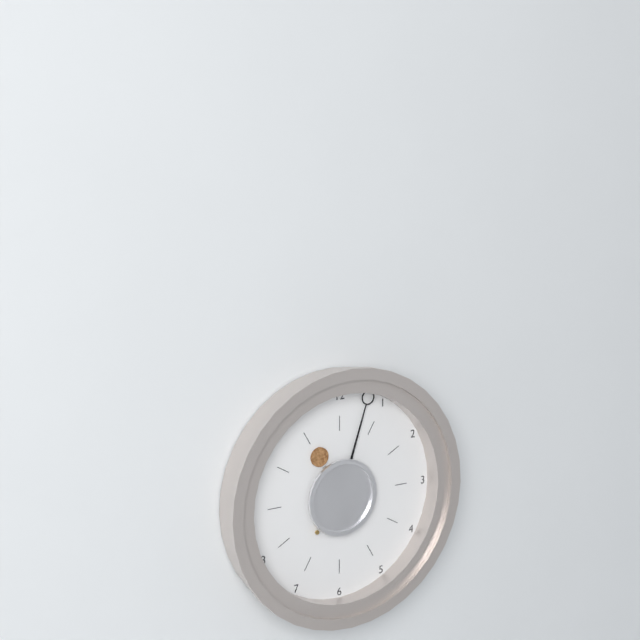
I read 11.03
